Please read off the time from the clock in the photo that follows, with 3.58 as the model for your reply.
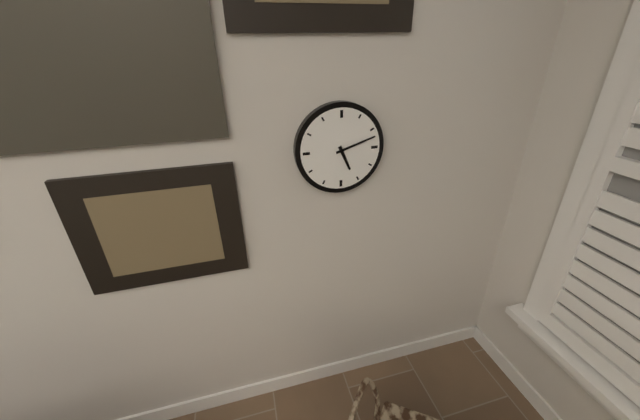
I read 5.12
